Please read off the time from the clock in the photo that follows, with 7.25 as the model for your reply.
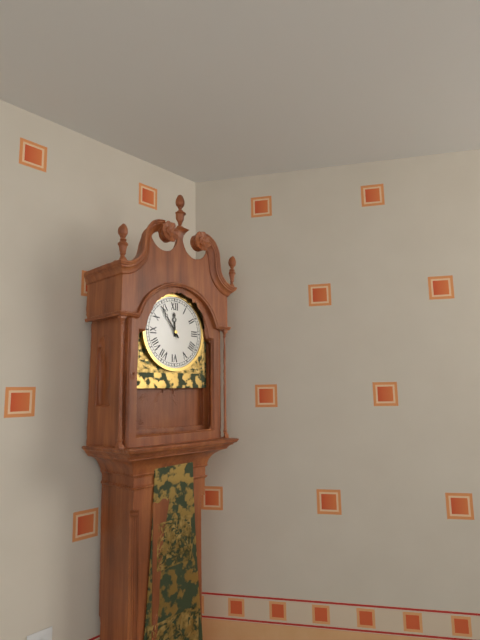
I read 11.54
